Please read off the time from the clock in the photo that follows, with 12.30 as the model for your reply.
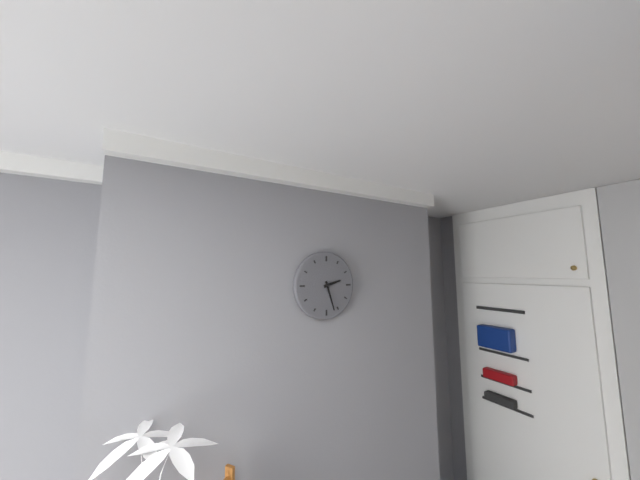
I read 2.27
